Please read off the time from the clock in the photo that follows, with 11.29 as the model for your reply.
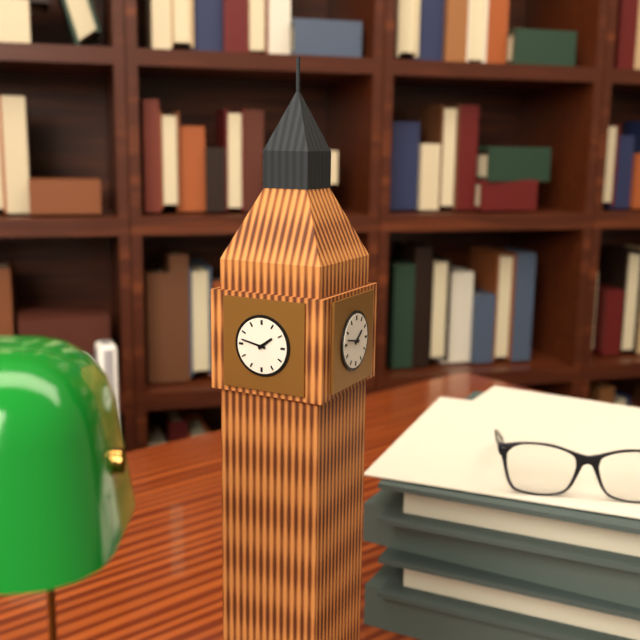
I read 1.47
